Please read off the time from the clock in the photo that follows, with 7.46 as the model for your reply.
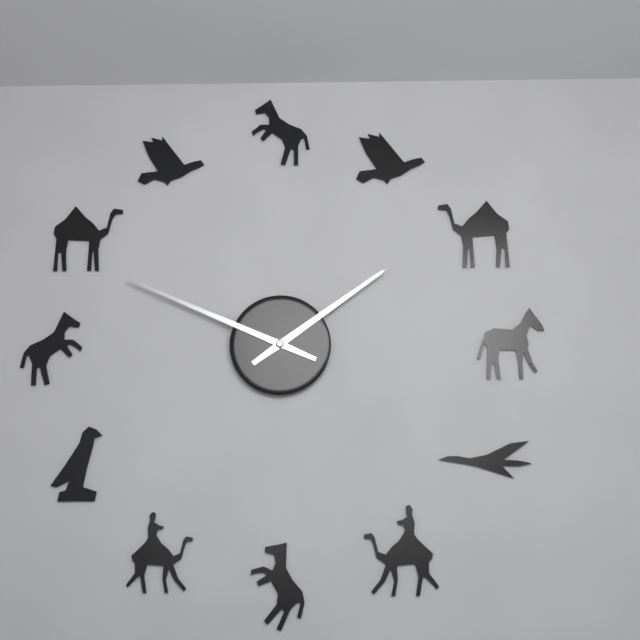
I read 1.49
